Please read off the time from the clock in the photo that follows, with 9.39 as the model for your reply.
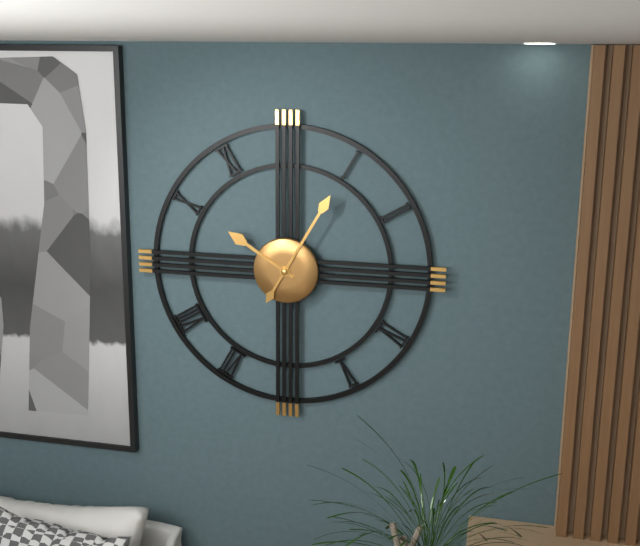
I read 10.05
